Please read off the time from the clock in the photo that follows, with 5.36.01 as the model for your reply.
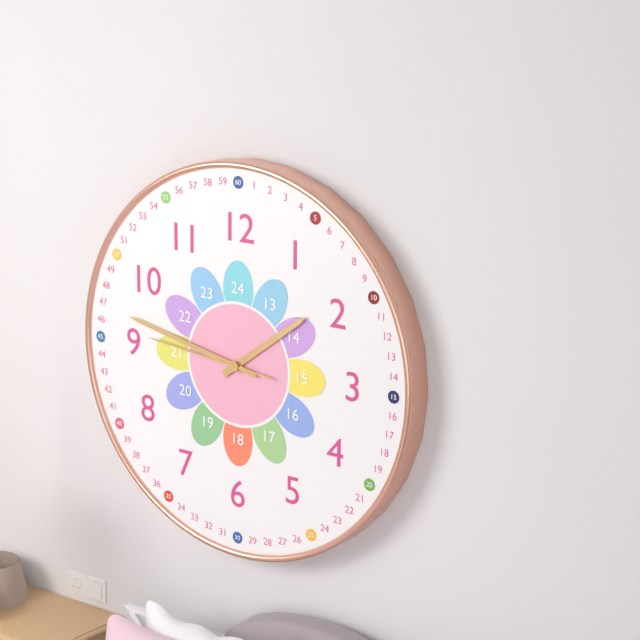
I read 1.47.46
